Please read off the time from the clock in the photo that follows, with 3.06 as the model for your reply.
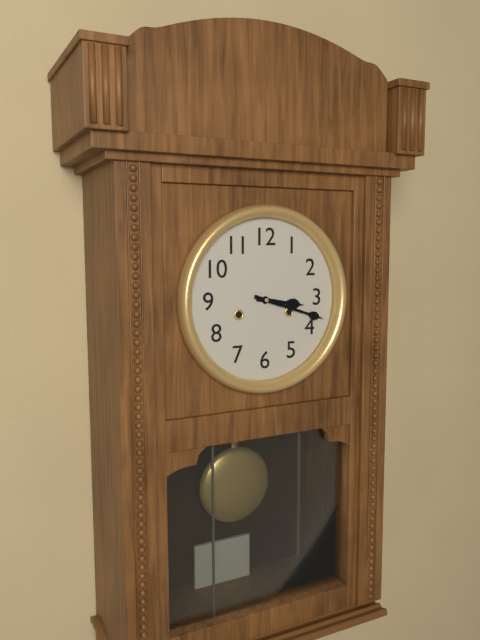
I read 3.18
